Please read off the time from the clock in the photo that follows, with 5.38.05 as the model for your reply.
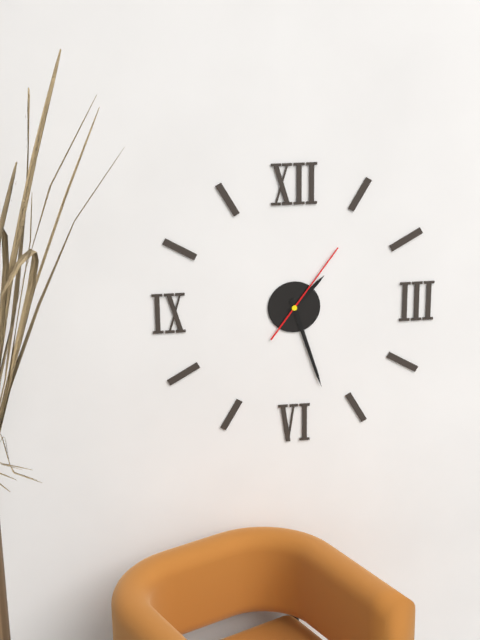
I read 1.27.06
